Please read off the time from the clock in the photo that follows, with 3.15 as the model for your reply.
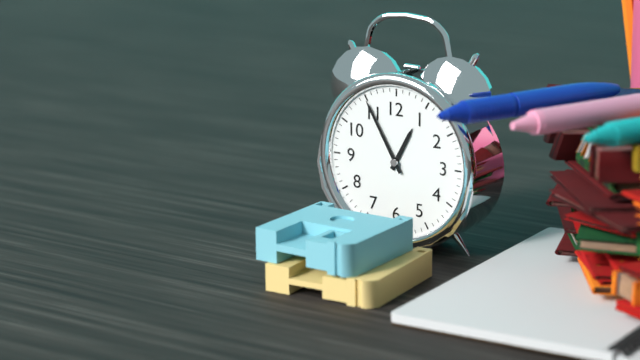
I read 12.55
